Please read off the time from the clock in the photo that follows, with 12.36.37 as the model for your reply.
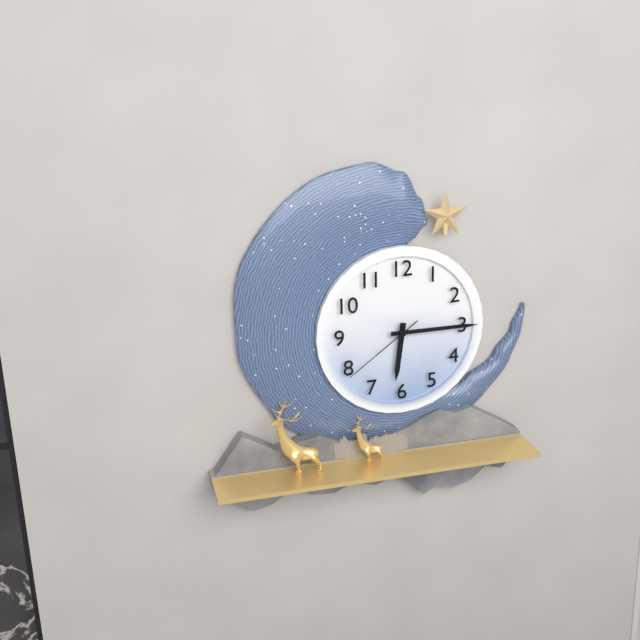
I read 6.15.39
